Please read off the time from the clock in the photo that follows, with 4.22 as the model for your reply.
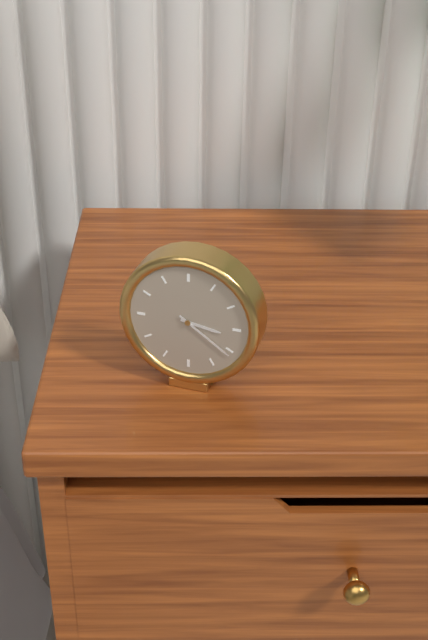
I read 3.21
